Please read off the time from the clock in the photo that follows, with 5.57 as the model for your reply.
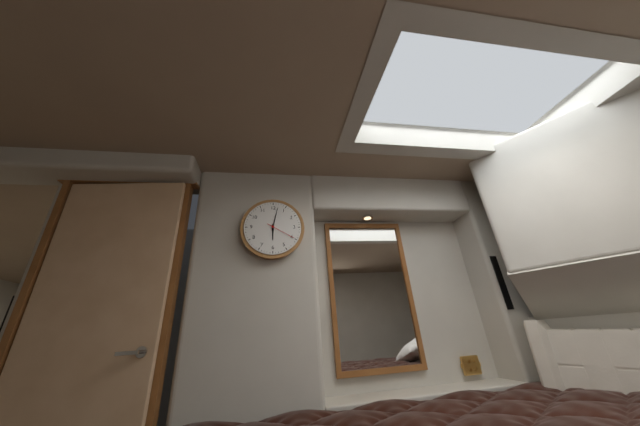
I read 6.02
